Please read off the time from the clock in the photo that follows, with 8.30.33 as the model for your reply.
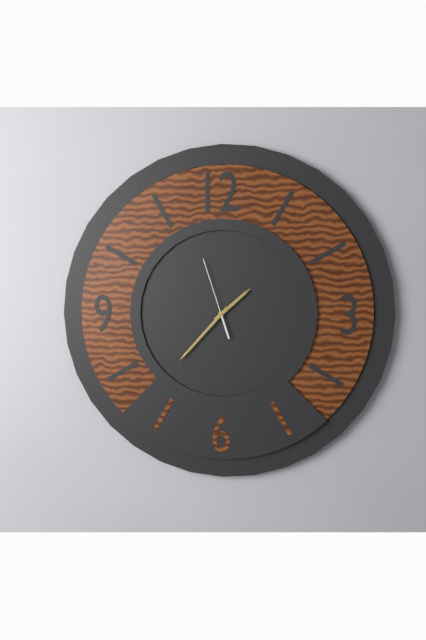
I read 1.37.57
